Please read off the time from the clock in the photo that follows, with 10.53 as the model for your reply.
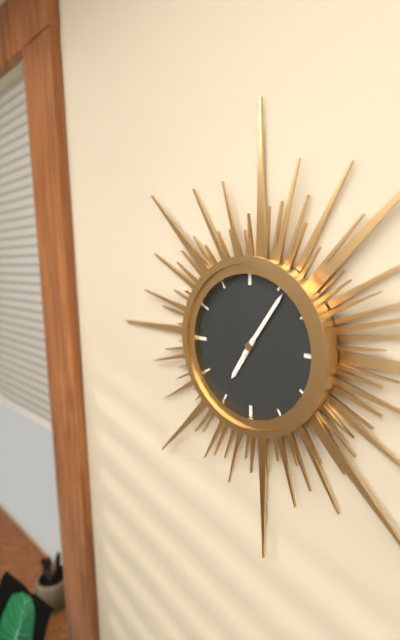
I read 7.06
